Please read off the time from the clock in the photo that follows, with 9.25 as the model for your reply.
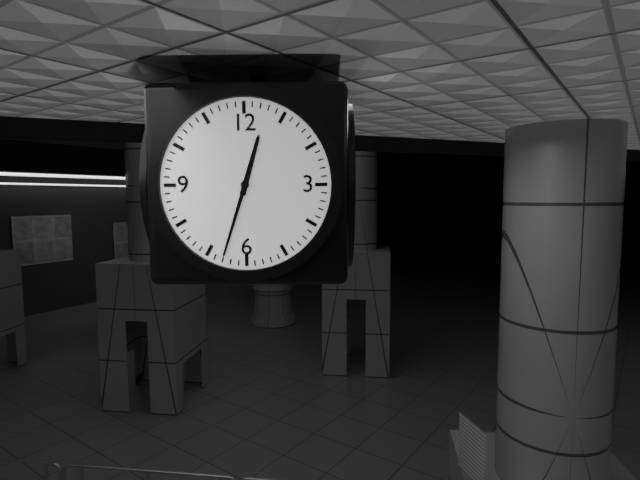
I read 12.33
